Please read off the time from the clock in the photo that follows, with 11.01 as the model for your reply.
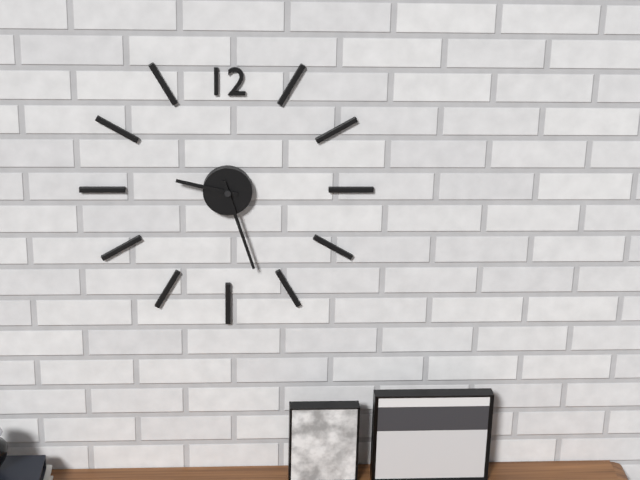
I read 9.27
